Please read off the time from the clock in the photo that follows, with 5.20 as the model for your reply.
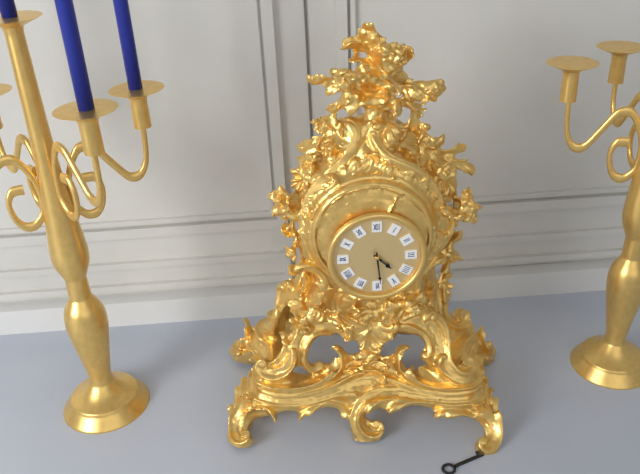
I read 4.29
